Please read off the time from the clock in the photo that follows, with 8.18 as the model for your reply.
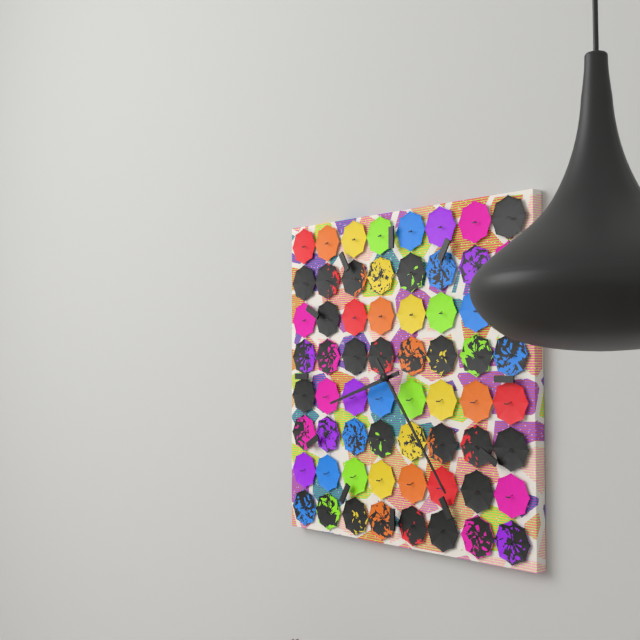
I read 8.24
